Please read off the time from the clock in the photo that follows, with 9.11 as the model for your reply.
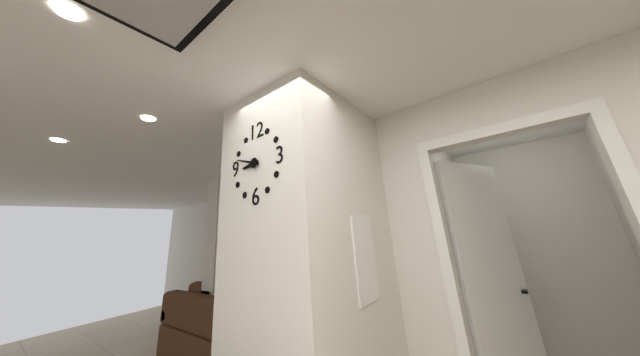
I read 8.48
